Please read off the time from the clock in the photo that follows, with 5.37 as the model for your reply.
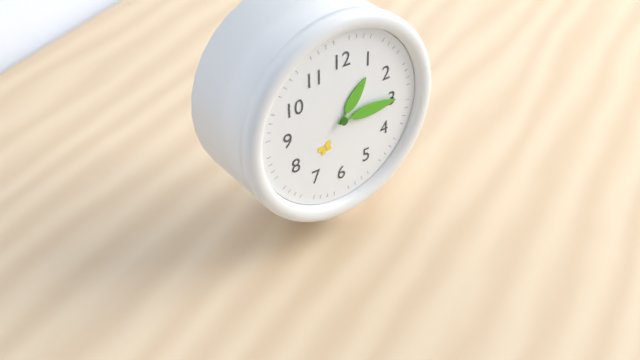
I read 1.15
